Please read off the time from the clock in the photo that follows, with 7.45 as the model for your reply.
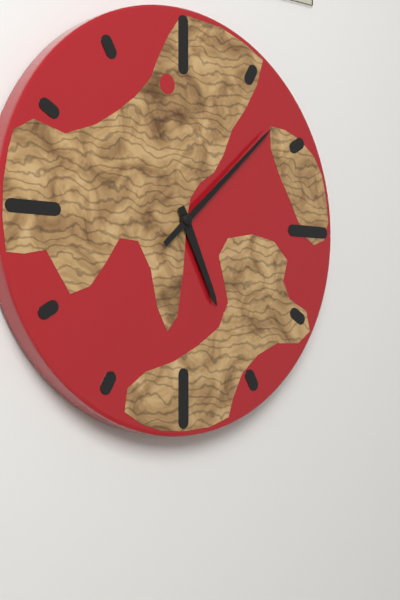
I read 5.08
